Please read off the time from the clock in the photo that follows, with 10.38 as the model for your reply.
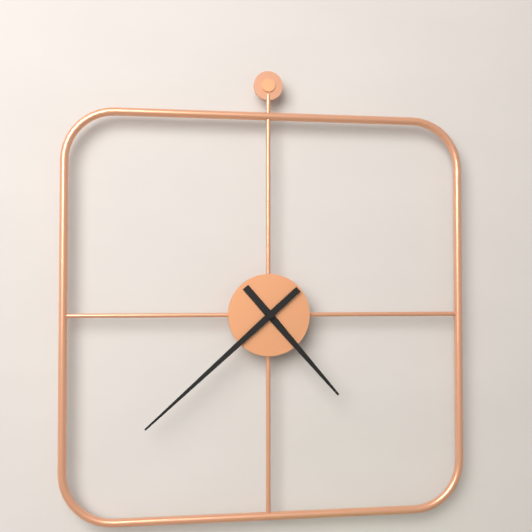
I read 4.38
